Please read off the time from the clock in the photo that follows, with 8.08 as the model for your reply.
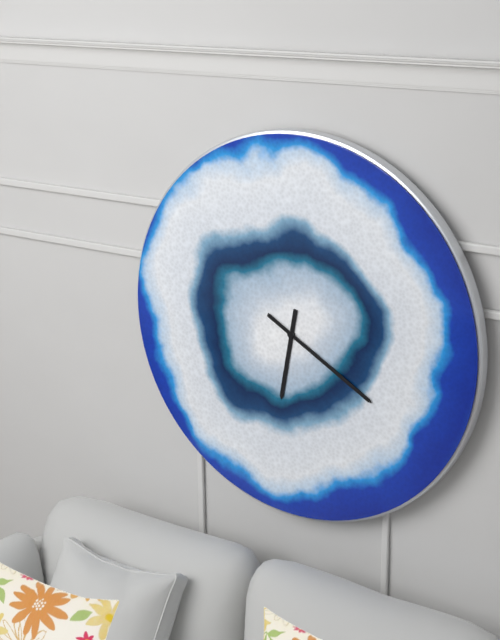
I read 6.20
